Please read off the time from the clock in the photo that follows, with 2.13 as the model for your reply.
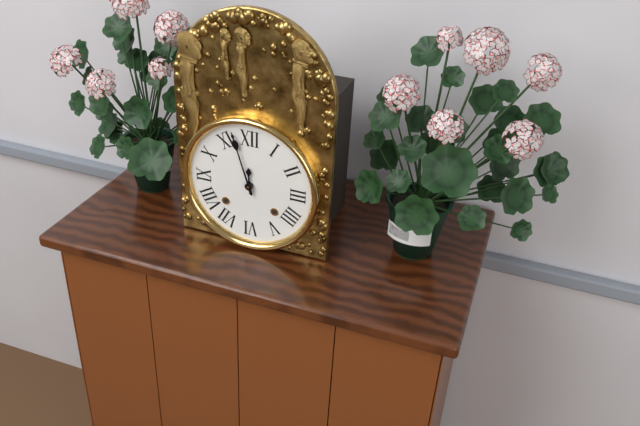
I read 11.57
